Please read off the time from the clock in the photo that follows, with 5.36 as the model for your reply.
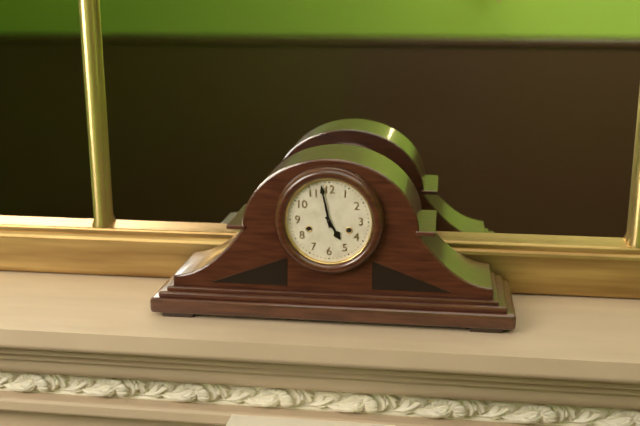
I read 4.58
